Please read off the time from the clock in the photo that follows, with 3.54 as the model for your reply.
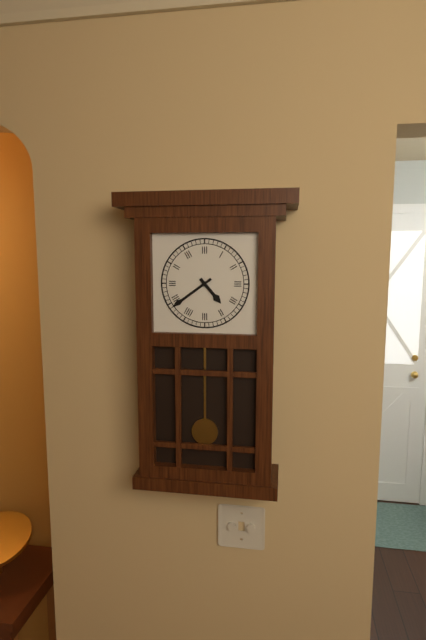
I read 4.39
